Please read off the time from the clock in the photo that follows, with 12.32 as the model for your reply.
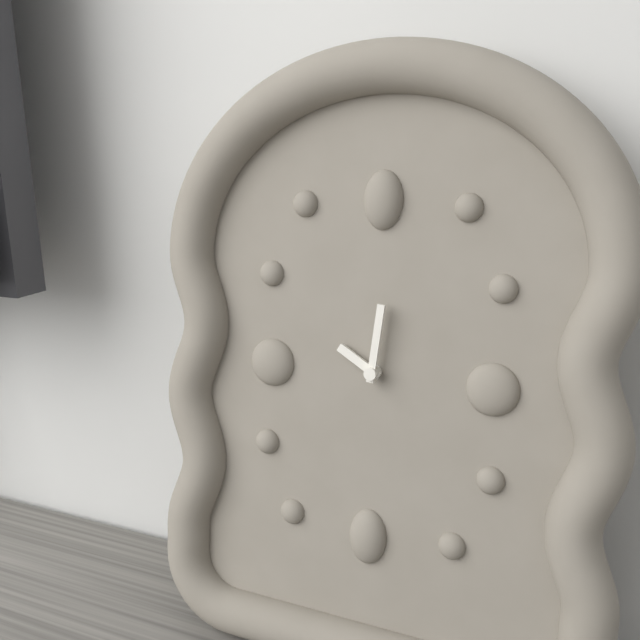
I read 10.01
